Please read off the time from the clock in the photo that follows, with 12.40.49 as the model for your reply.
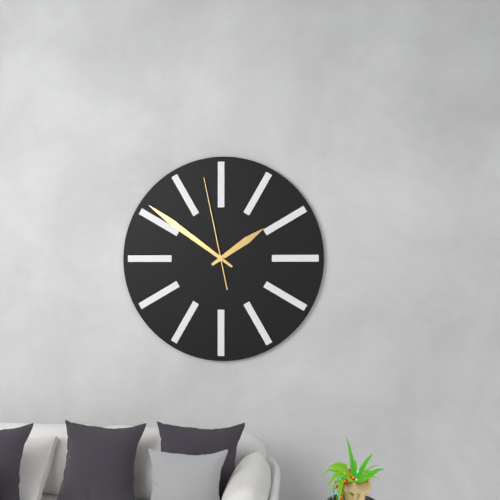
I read 1.51.58
